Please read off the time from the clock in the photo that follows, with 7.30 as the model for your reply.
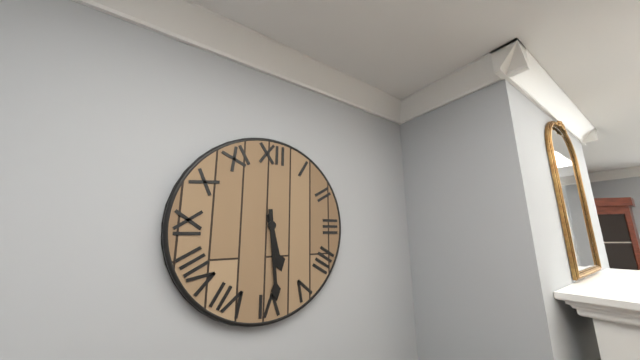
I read 5.29
